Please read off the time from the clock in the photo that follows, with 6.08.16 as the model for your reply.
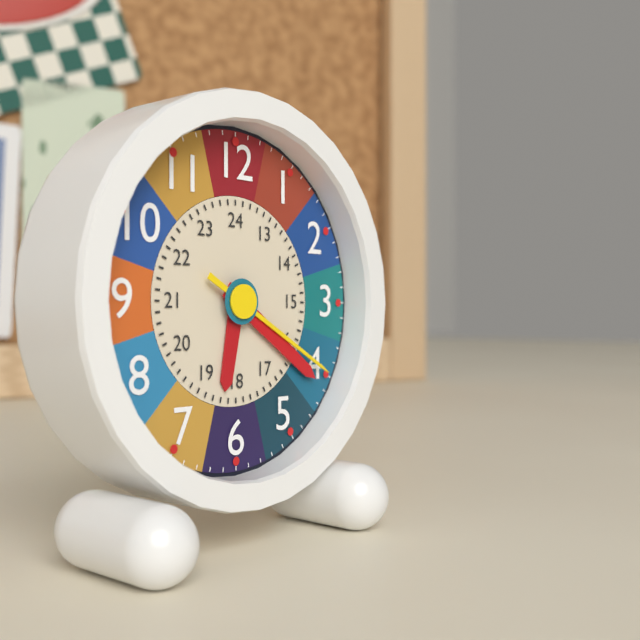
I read 6.21.20
